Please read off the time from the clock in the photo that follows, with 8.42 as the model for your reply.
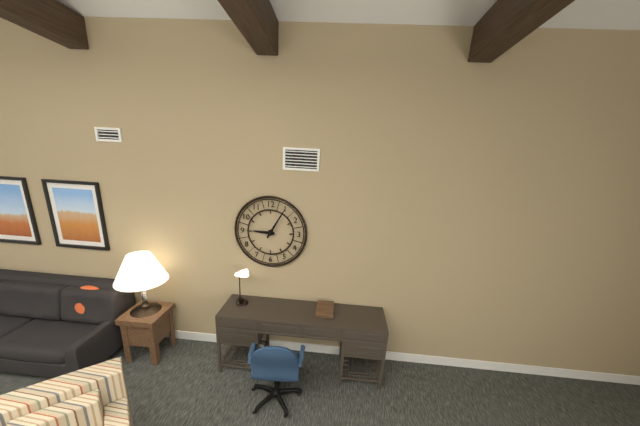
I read 9.05
